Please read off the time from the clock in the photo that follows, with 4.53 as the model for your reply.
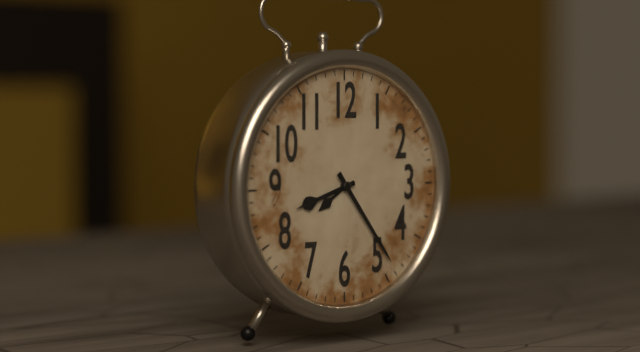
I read 8.24
